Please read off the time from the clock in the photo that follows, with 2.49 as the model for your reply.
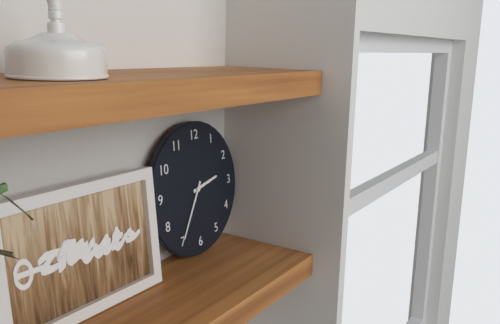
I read 2.35
